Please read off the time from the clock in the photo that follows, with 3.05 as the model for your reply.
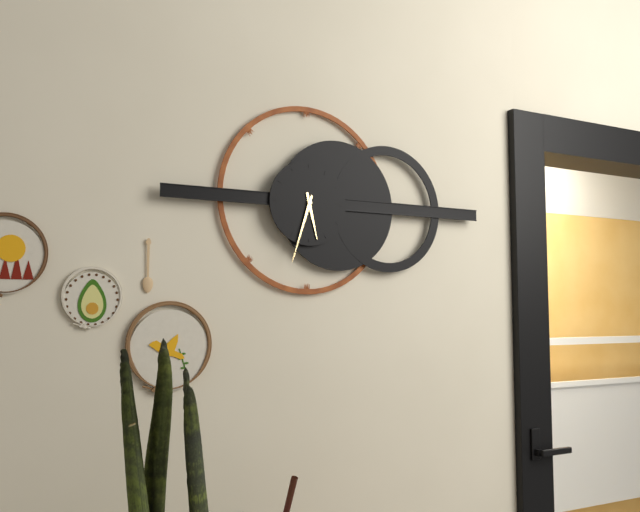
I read 5.33
